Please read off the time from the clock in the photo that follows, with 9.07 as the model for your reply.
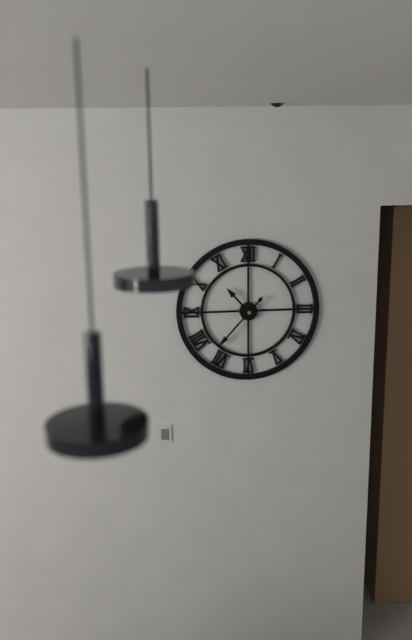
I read 10.37
